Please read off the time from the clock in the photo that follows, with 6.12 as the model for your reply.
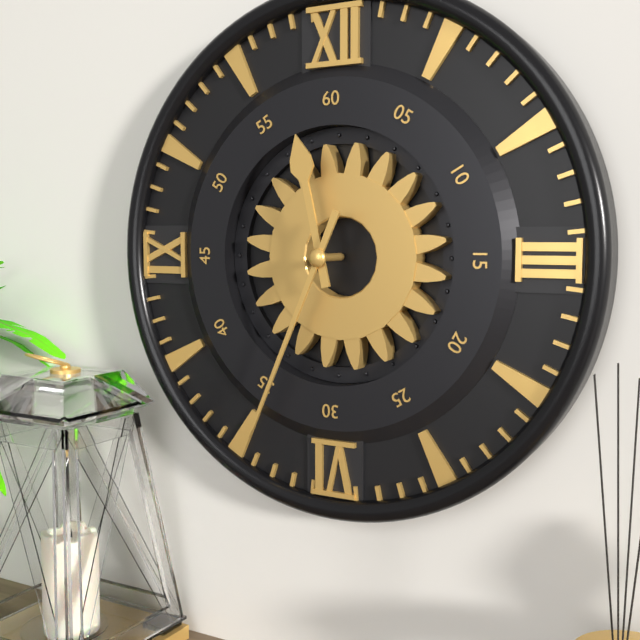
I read 11.34
